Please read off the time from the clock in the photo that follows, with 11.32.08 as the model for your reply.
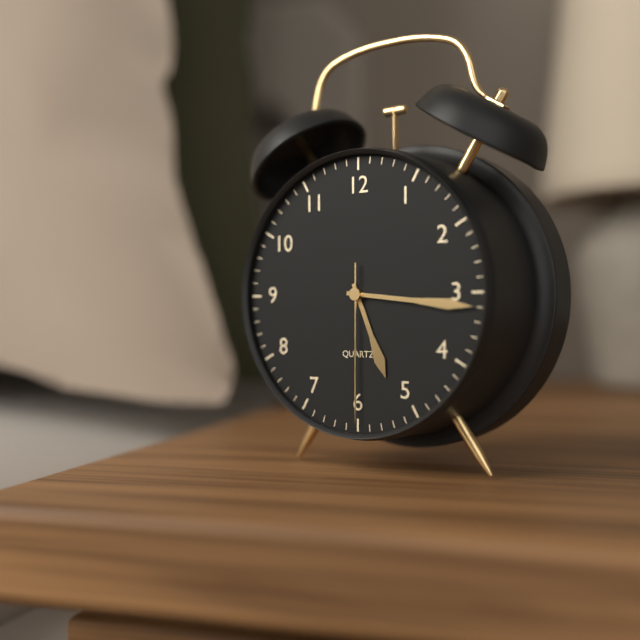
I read 5.16.30
